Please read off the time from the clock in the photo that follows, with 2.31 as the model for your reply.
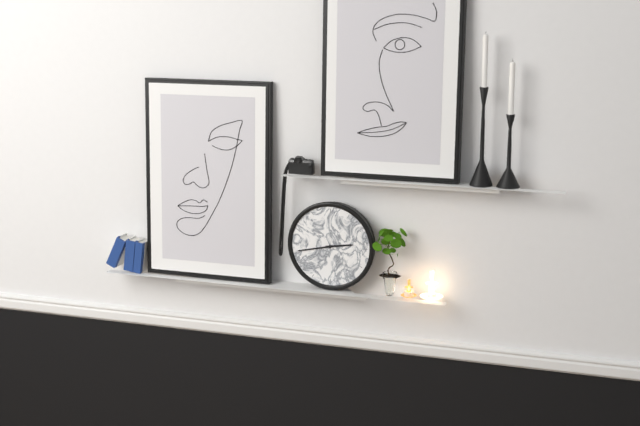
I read 2.43
